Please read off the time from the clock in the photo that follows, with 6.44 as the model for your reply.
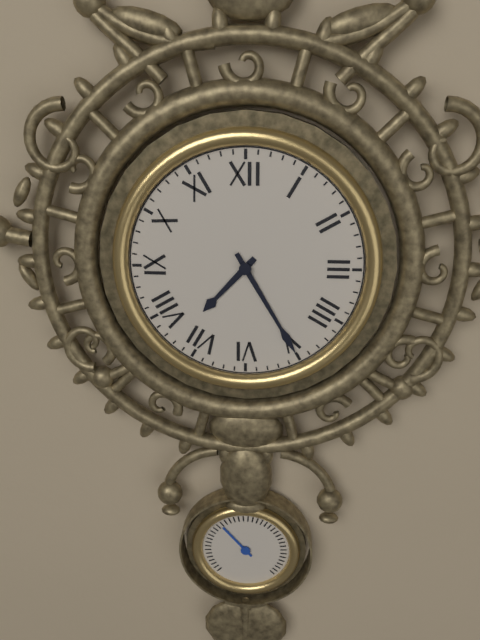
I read 7.25
